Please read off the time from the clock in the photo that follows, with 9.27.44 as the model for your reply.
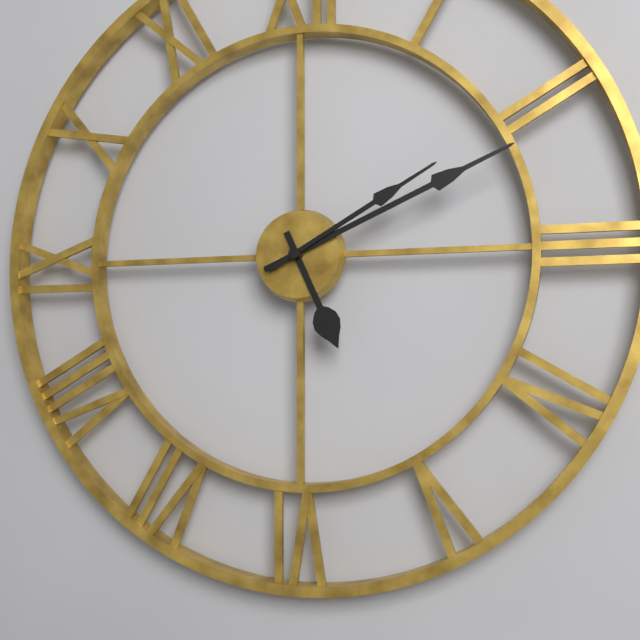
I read 5.11.10
